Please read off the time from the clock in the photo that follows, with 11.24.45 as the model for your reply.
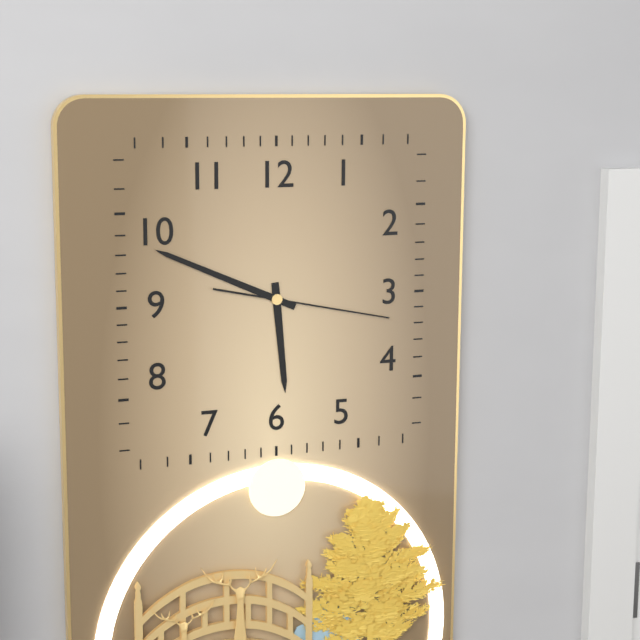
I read 5.49.17
